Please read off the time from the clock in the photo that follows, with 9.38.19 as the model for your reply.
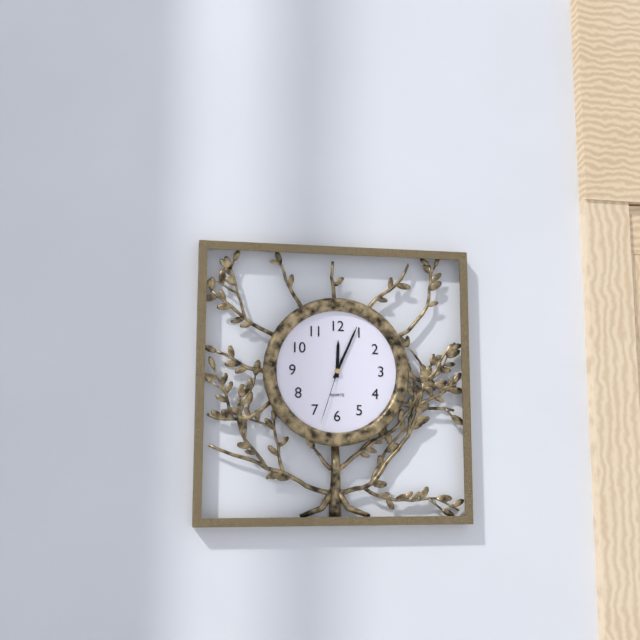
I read 12.04.33
